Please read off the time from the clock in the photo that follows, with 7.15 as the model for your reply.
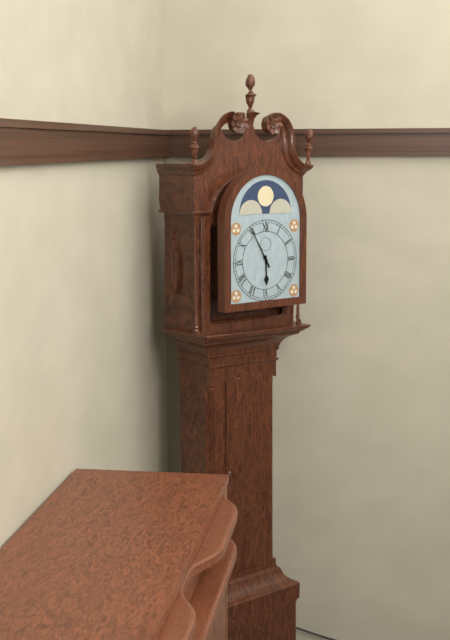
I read 5.55
